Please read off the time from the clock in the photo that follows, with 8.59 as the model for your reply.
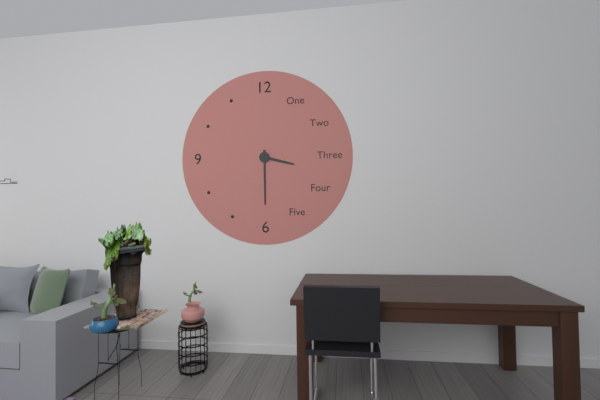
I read 3.30
